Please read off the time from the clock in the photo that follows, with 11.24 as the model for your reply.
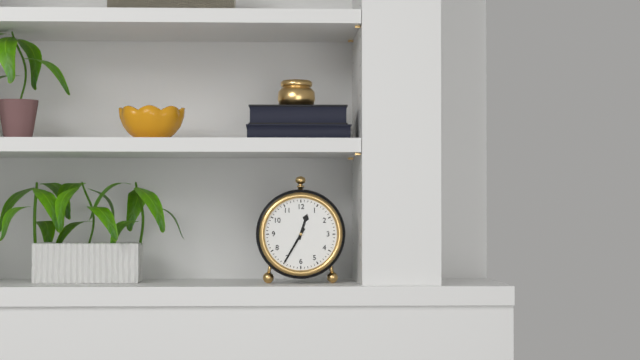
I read 12.35
